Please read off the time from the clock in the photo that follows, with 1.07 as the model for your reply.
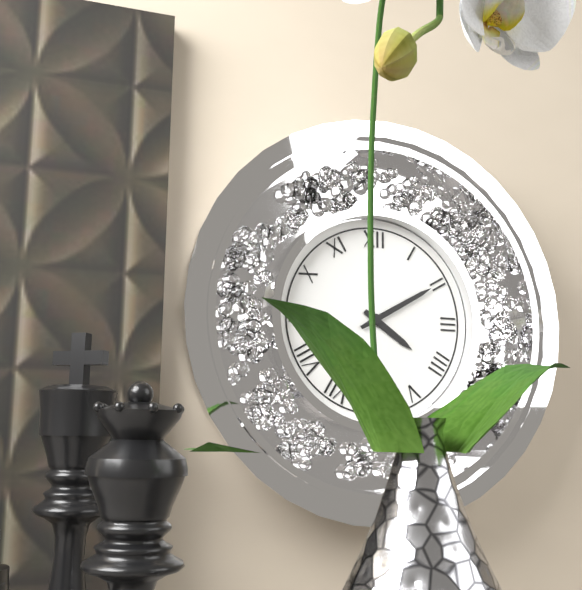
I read 4.10
